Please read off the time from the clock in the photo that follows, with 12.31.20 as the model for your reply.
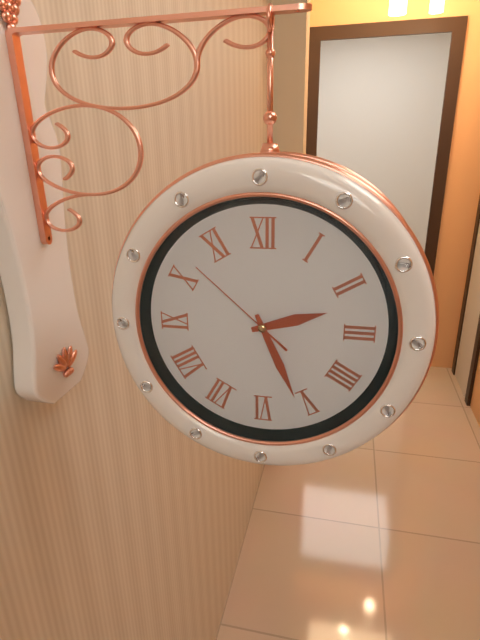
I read 2.26.52
